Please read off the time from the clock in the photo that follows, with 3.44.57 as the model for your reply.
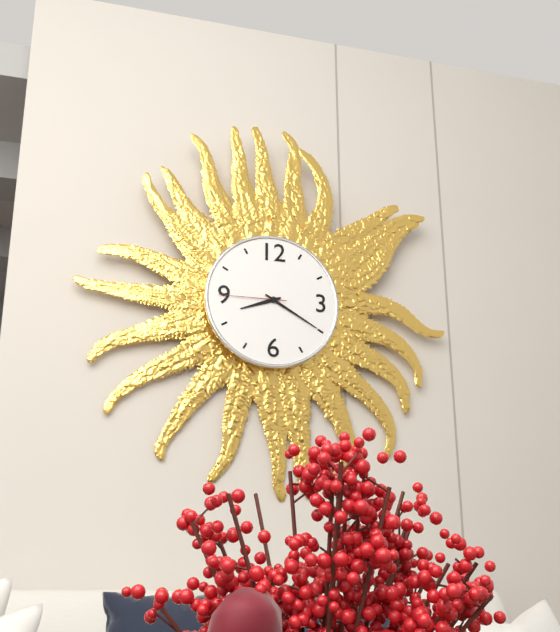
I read 8.20.45
